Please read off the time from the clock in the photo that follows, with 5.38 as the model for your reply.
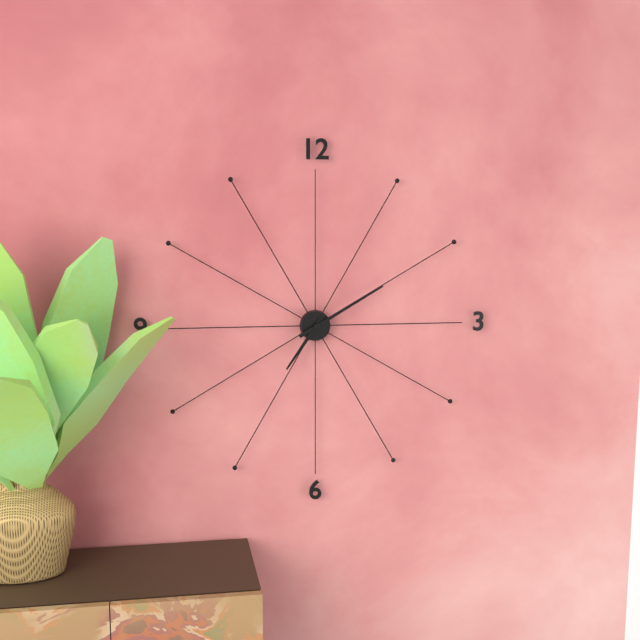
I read 7.10
